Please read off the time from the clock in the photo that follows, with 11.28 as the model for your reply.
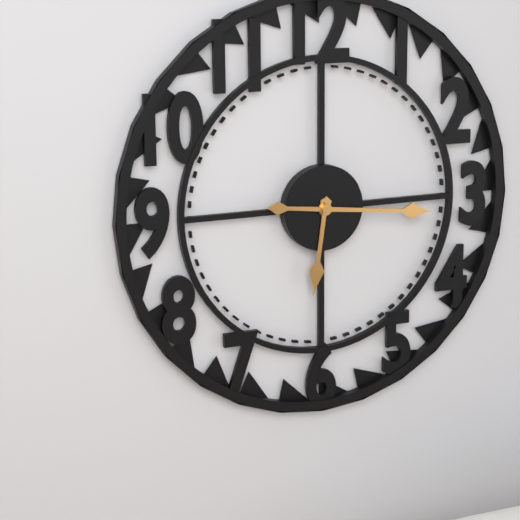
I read 6.16
